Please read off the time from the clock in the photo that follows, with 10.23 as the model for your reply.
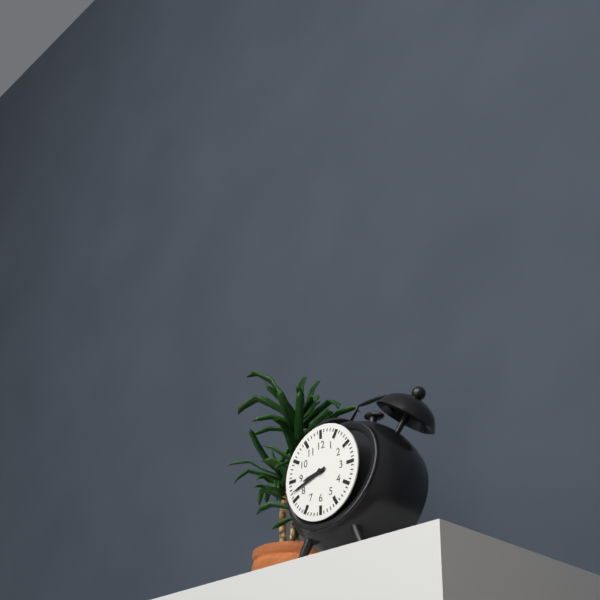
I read 8.42
